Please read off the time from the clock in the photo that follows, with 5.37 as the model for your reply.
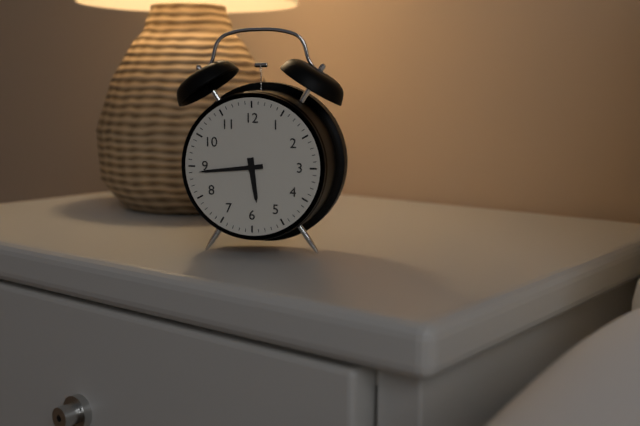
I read 5.44
